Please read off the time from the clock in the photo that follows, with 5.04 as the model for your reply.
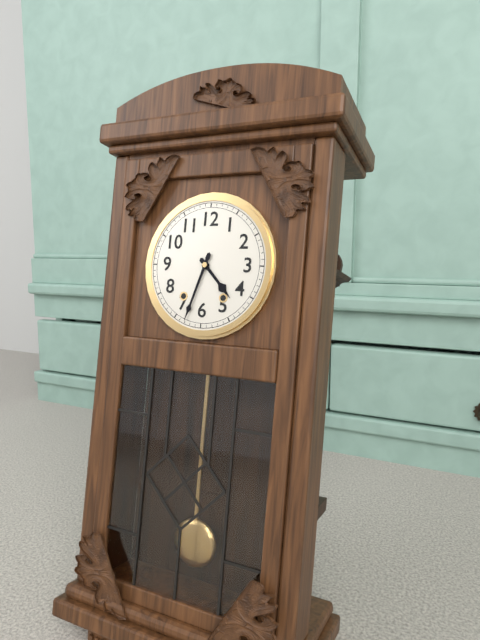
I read 4.33
